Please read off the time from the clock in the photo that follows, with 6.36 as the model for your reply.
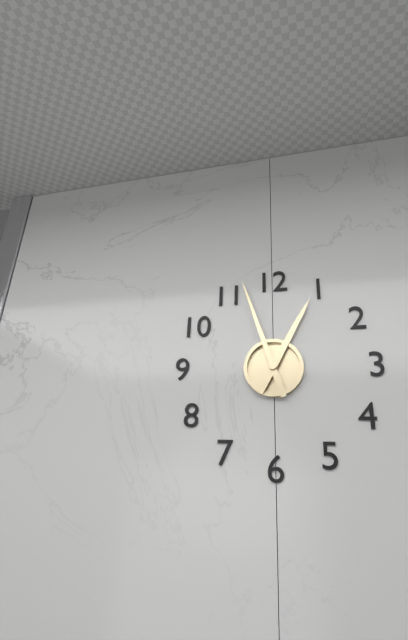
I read 12.57
